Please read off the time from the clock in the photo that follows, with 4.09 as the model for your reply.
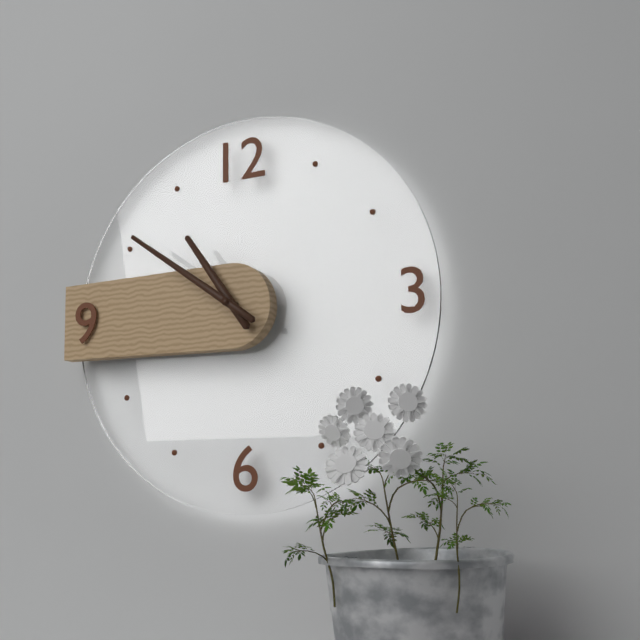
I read 10.51
